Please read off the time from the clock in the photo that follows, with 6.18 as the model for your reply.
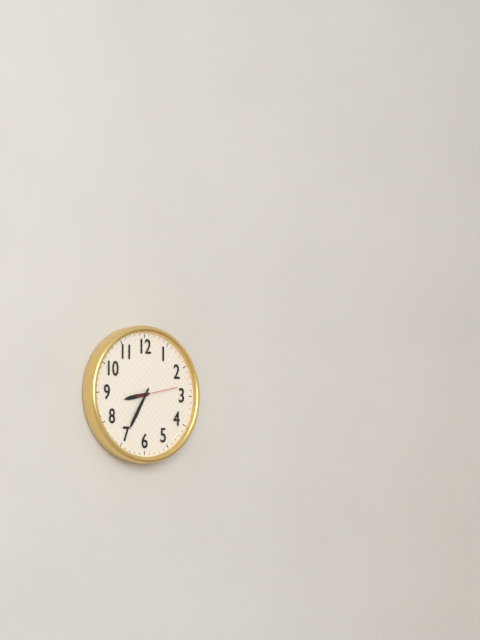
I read 8.35
